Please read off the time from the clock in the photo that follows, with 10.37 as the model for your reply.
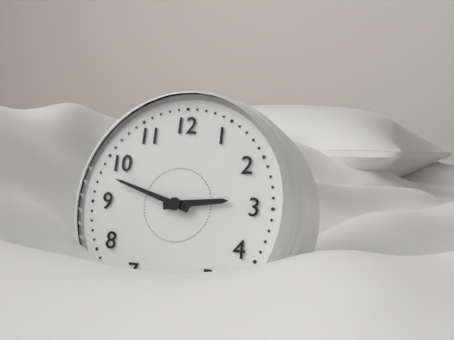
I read 2.48
